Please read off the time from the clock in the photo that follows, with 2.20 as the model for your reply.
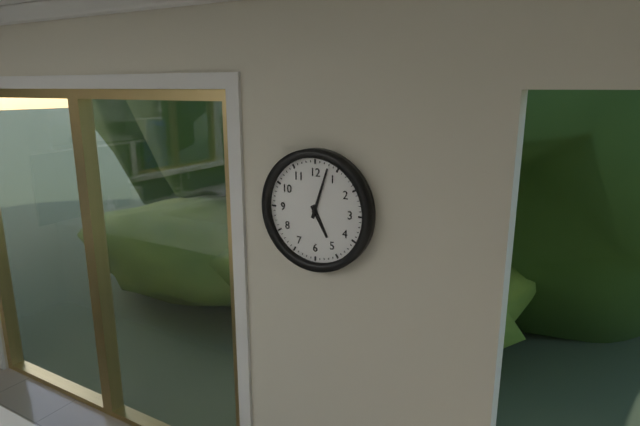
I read 5.03
